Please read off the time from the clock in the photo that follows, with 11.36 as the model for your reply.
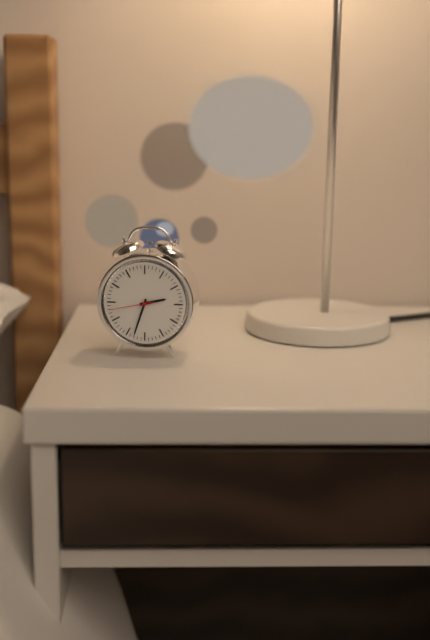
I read 2.33
